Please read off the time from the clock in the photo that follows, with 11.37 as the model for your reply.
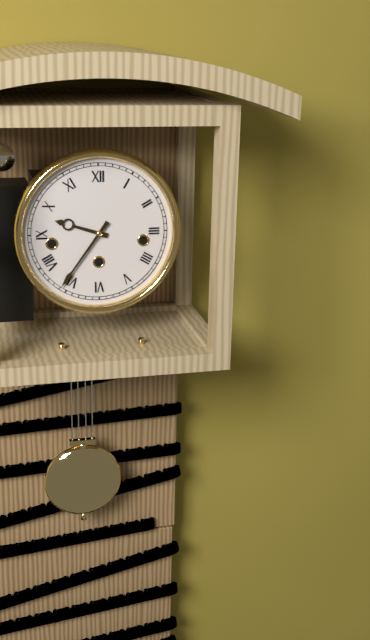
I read 9.36
